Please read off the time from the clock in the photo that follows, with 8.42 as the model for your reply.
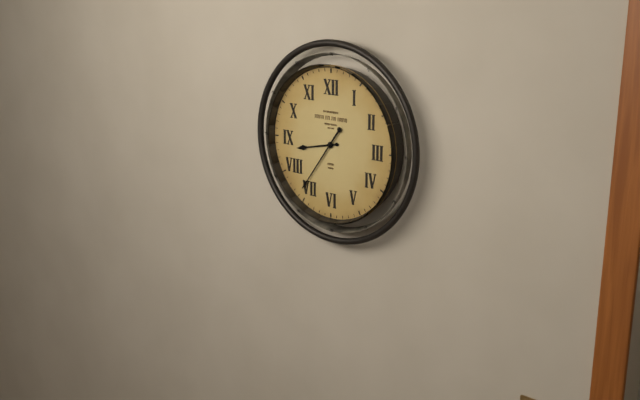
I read 8.36
